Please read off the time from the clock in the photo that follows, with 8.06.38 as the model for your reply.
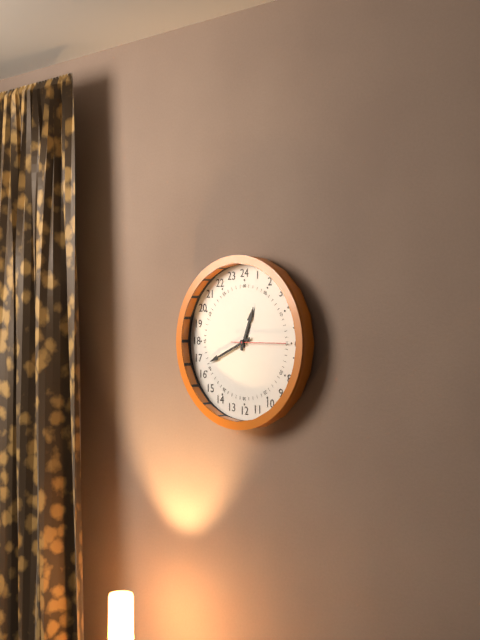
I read 12.41.15
